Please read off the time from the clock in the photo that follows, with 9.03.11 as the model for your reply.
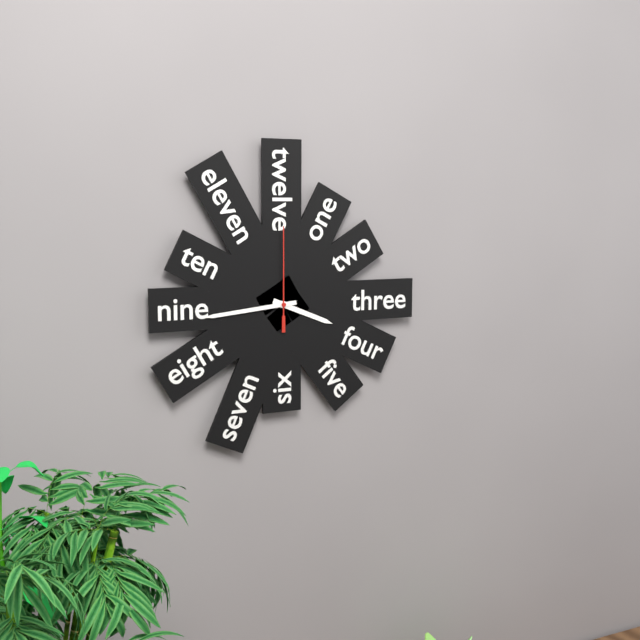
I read 3.44.00
